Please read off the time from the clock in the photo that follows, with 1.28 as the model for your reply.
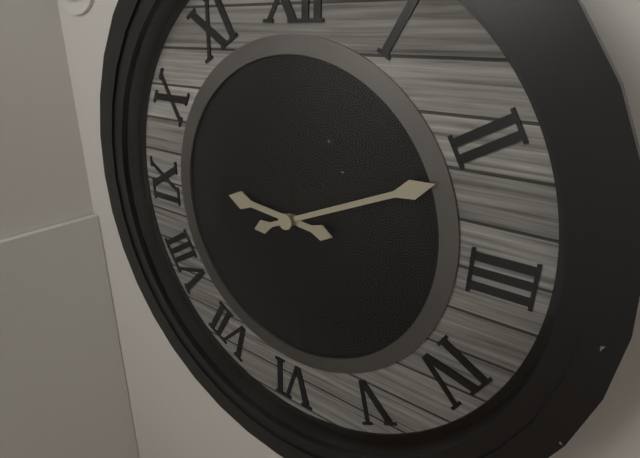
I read 9.11
